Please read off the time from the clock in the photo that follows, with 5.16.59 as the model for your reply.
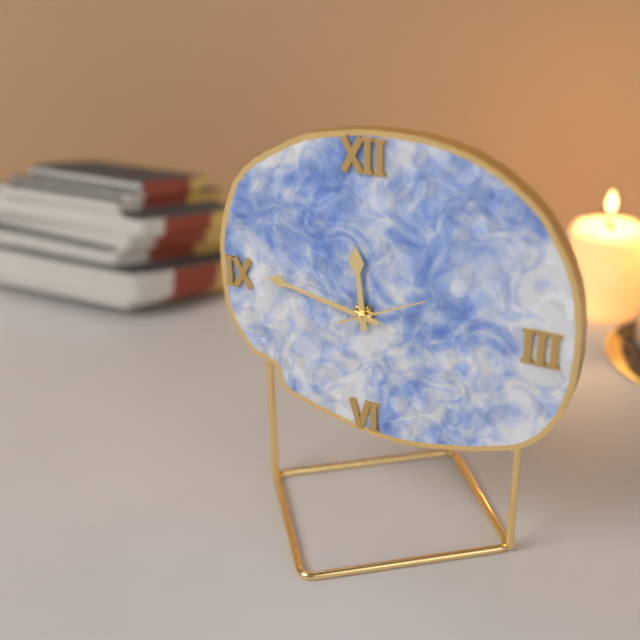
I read 11.47.11
